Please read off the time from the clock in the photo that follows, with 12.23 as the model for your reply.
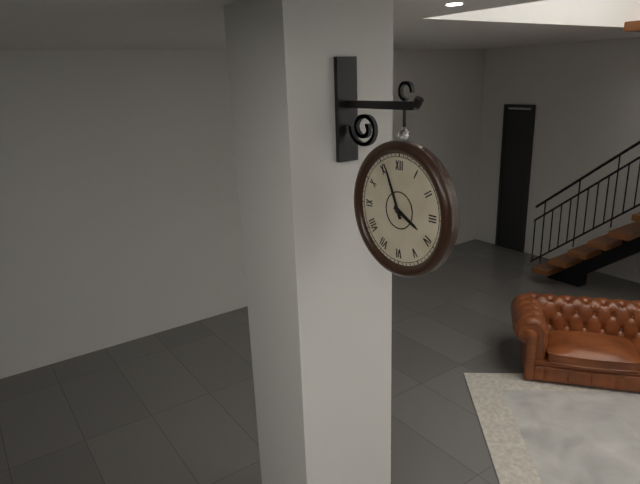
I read 3.56
